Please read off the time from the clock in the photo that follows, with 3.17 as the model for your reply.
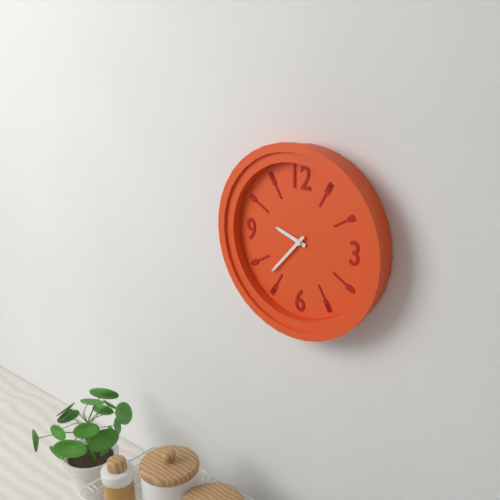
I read 9.37
